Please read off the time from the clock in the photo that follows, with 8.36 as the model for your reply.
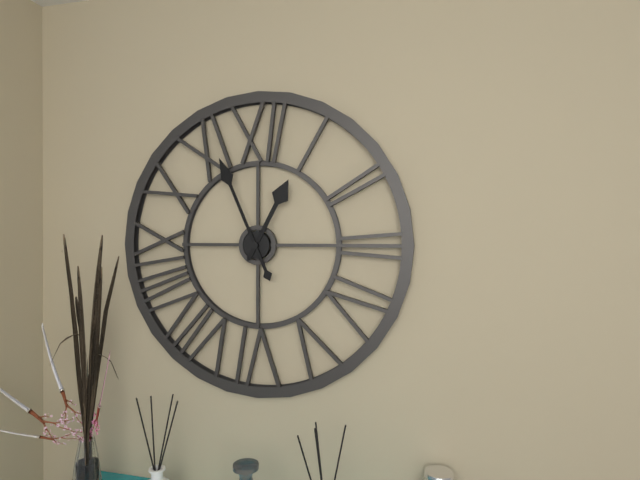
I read 12.56
